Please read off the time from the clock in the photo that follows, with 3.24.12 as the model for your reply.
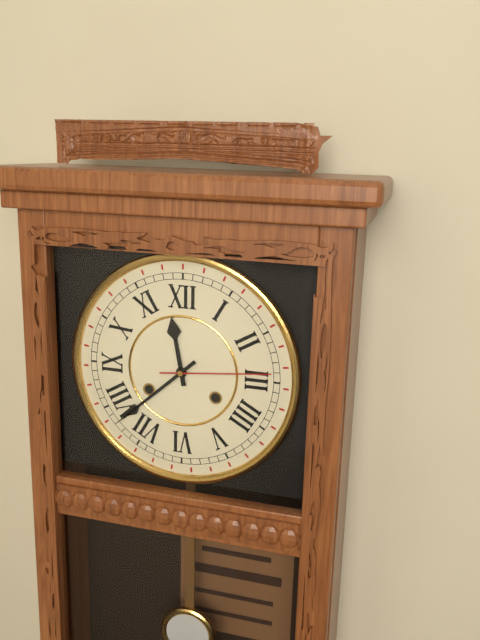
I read 11.38.14
